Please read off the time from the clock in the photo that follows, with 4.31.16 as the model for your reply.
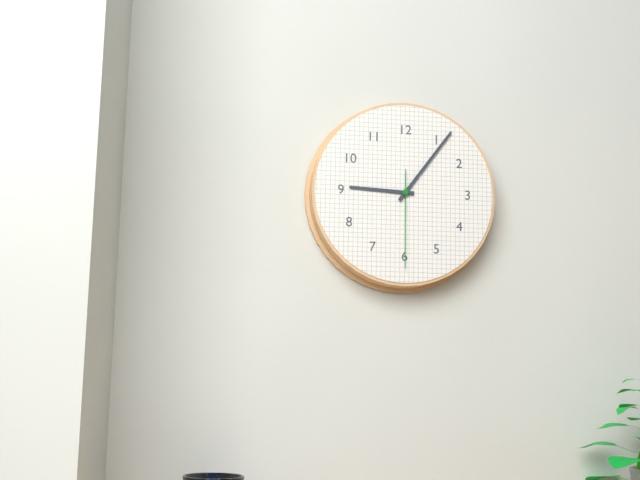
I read 9.06.30
